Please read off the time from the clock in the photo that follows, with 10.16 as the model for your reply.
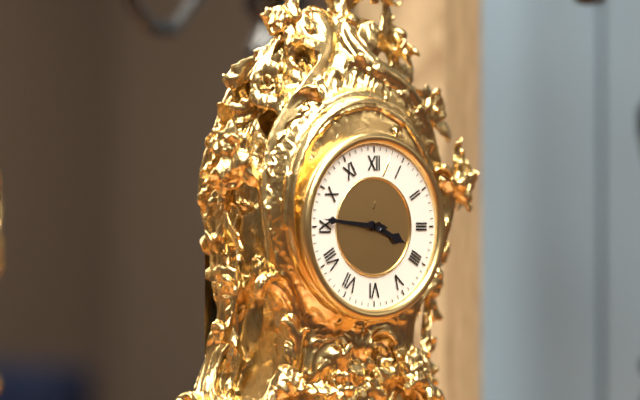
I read 3.46
